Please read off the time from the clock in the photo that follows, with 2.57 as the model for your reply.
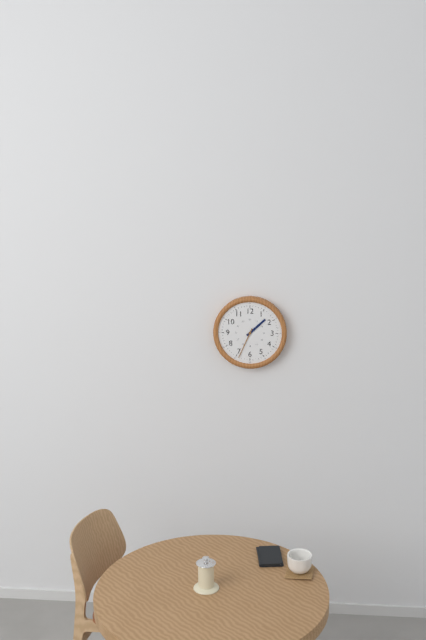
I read 1.34
